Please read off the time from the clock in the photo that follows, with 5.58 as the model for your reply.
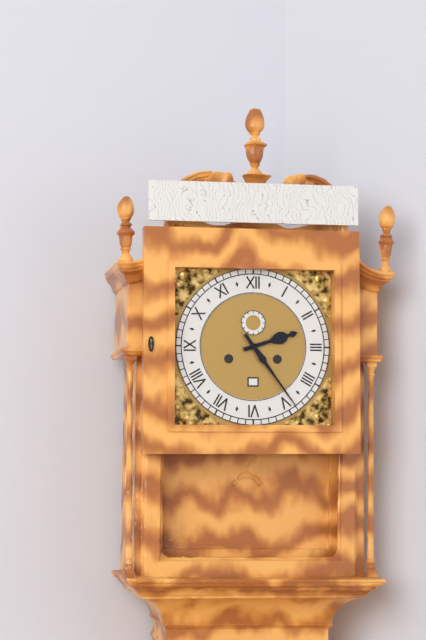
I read 2.24
